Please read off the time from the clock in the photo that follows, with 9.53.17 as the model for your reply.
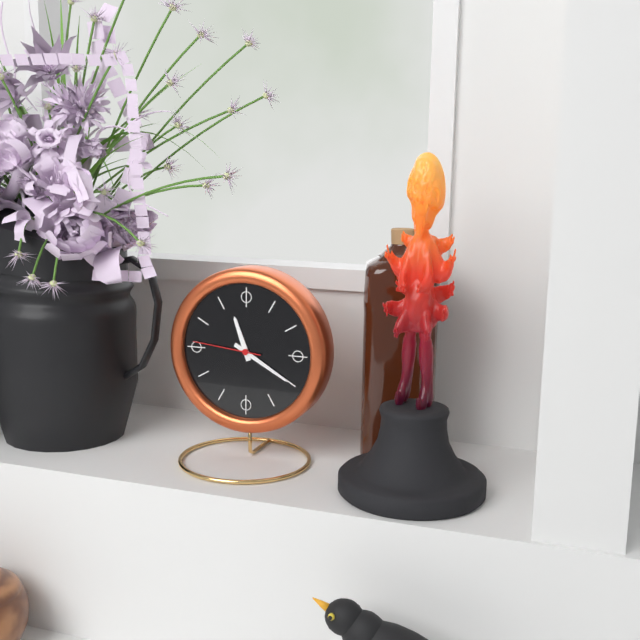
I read 11.20.46
